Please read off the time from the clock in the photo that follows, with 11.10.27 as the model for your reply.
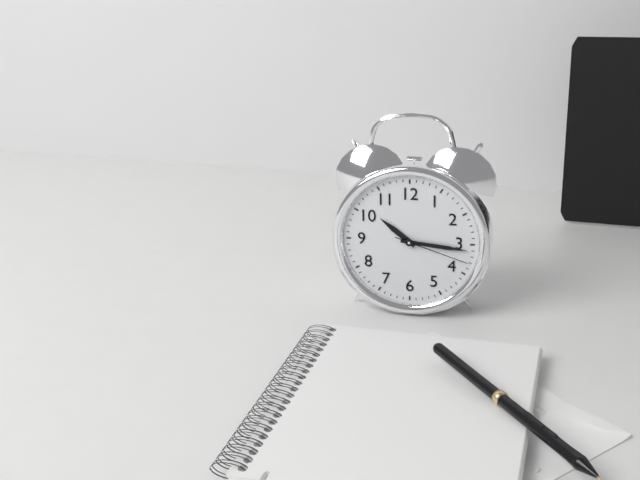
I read 10.16.18
